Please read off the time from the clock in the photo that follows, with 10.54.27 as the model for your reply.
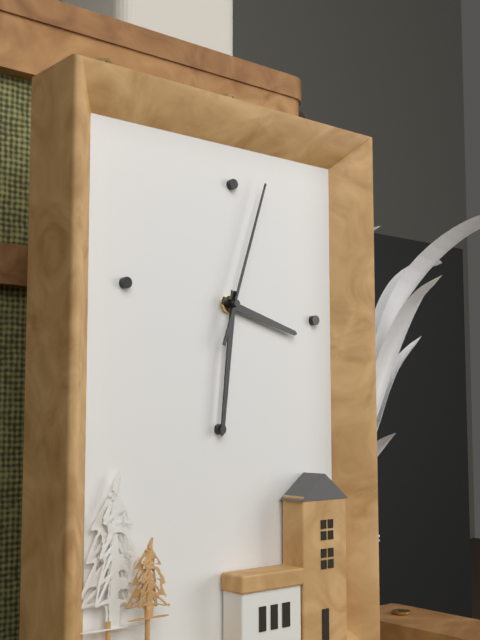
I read 3.31.03
